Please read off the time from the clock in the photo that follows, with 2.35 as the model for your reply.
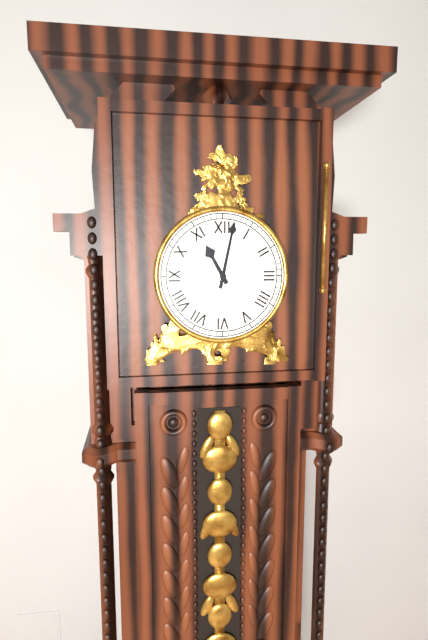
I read 11.02
